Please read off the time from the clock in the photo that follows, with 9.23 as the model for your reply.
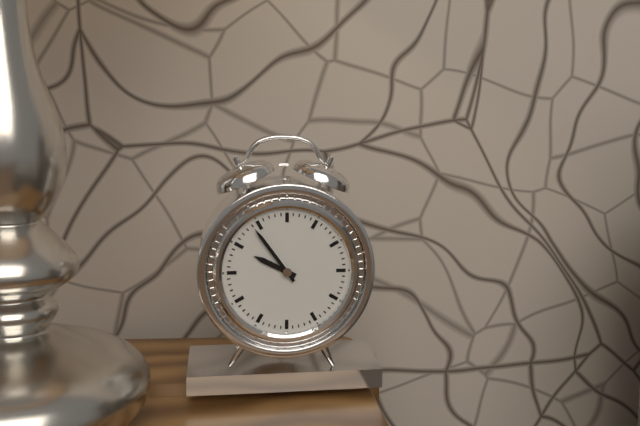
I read 9.54
